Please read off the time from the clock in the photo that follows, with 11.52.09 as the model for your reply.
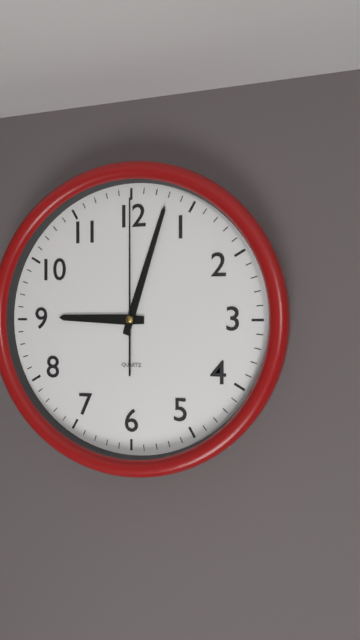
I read 9.03.00
